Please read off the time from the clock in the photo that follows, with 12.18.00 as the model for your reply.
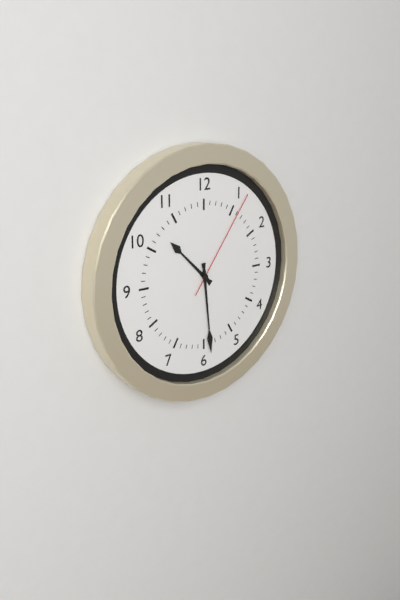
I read 10.29.06
